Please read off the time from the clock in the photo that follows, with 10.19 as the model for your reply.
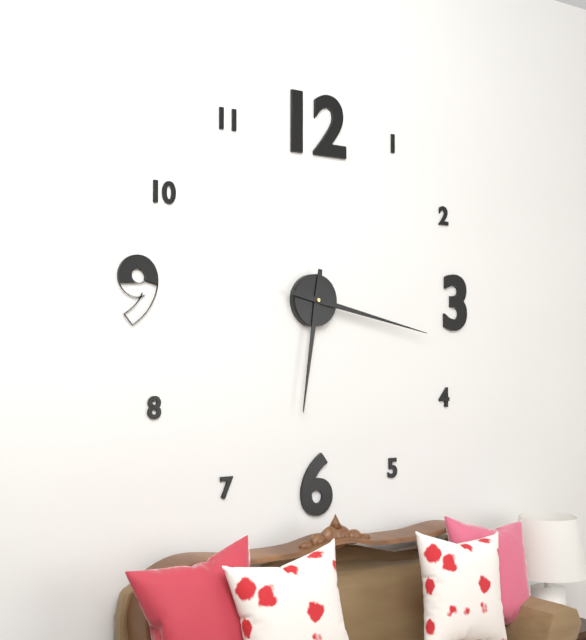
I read 6.17
